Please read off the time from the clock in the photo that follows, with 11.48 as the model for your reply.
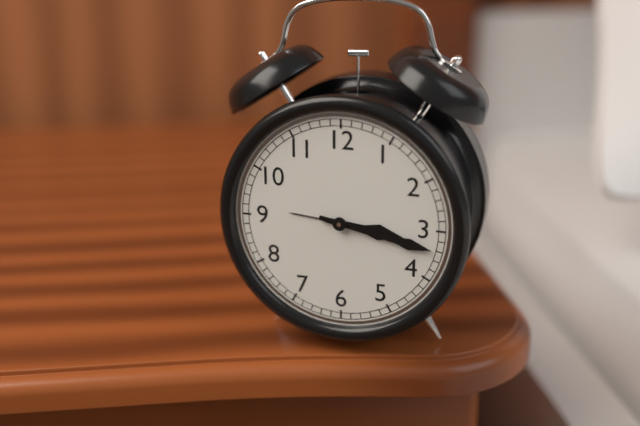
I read 3.17
